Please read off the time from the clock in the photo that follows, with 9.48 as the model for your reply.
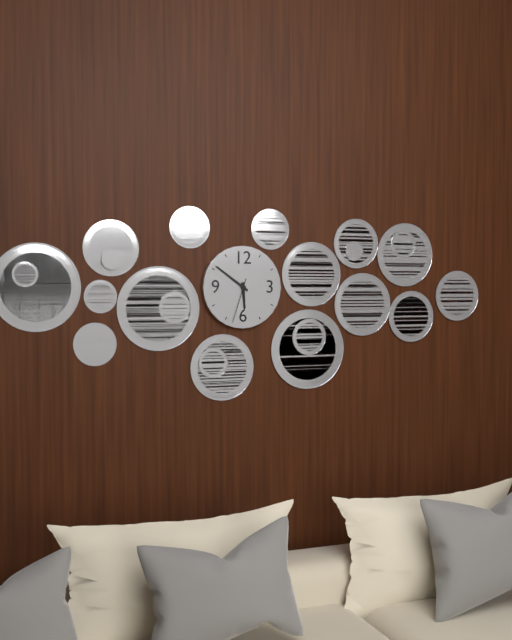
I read 5.51
